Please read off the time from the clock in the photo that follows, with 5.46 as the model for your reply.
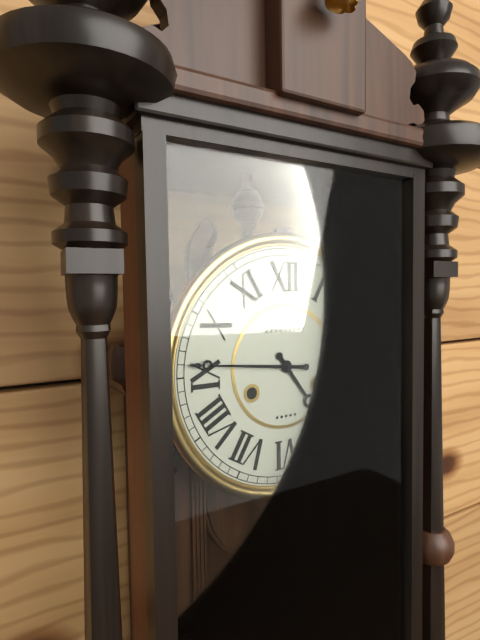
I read 4.46
